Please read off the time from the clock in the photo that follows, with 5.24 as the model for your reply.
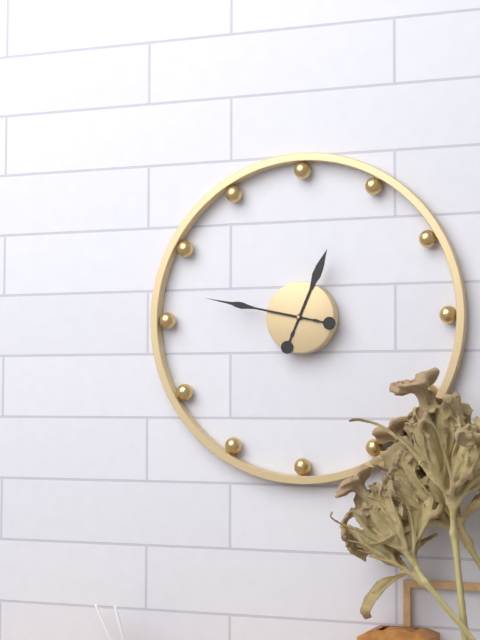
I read 12.47
